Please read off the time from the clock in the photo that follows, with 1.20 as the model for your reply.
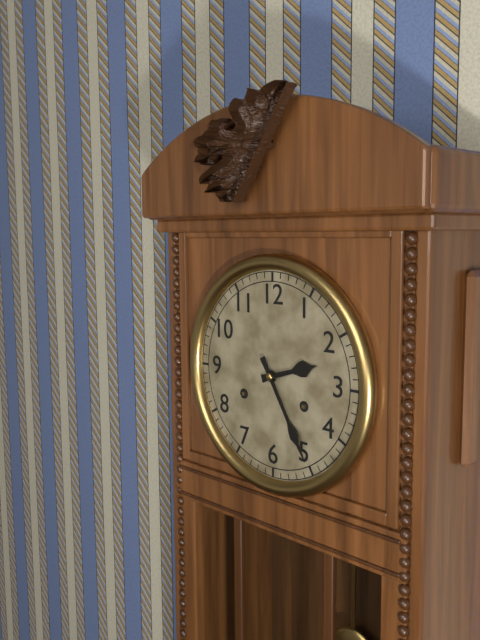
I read 2.25
